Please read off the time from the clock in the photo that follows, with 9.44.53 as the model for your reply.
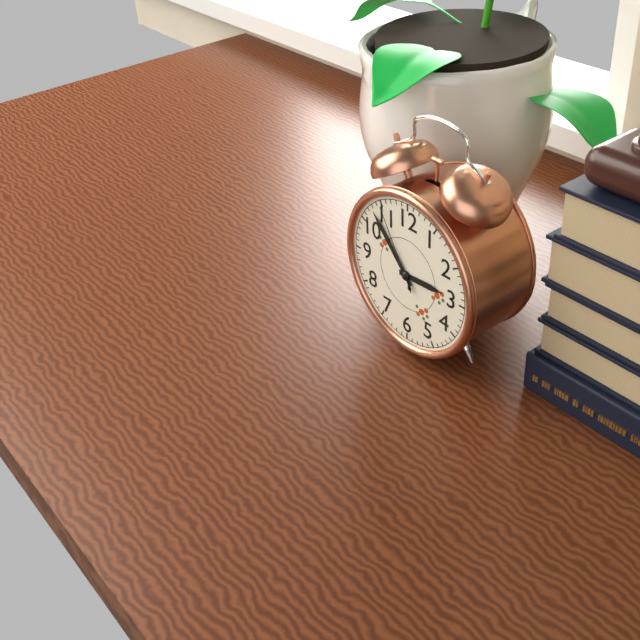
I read 2.53.55
